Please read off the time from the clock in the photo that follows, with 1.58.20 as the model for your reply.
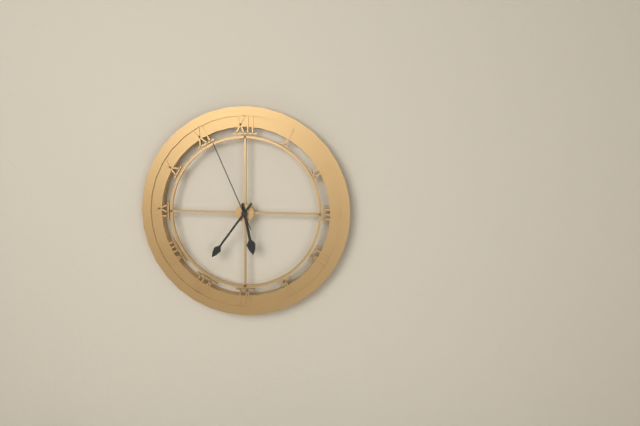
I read 5.36.56
